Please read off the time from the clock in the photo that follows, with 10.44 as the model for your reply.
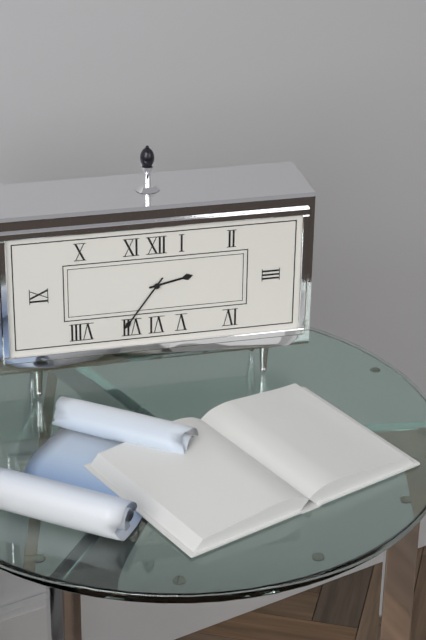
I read 2.36
